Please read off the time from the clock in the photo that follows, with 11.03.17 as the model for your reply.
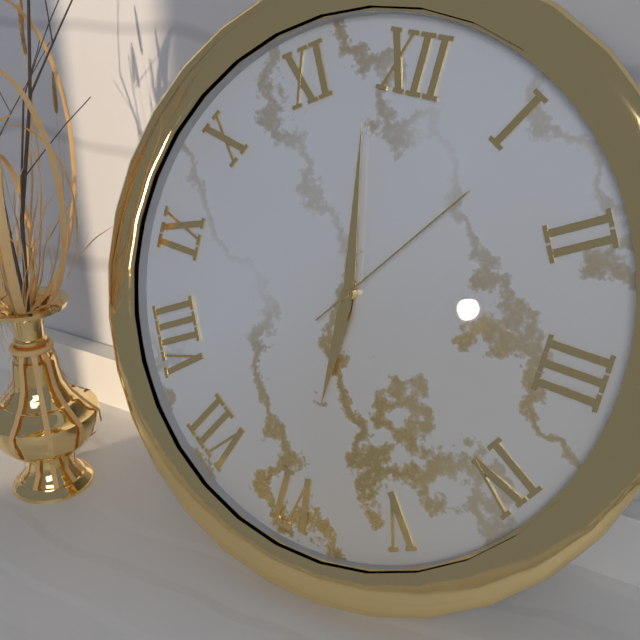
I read 5.58.06
